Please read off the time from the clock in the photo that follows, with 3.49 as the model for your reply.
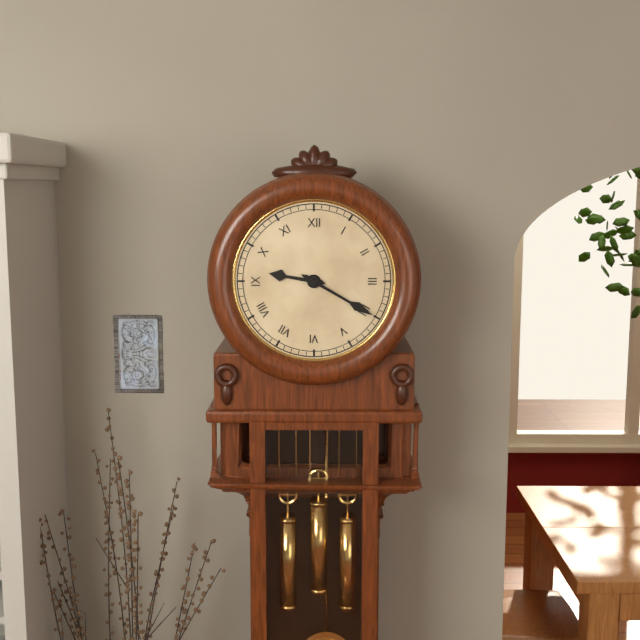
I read 9.20
